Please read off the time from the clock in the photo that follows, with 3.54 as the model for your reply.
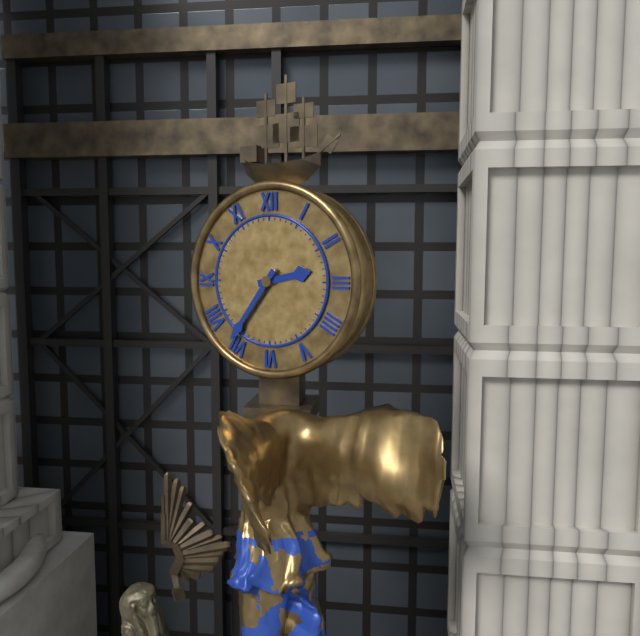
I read 2.36
